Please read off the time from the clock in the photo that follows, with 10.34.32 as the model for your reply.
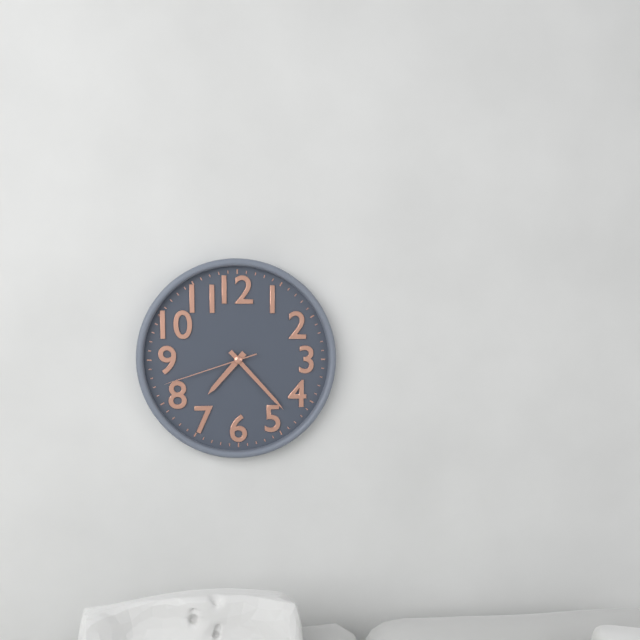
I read 7.23.42
